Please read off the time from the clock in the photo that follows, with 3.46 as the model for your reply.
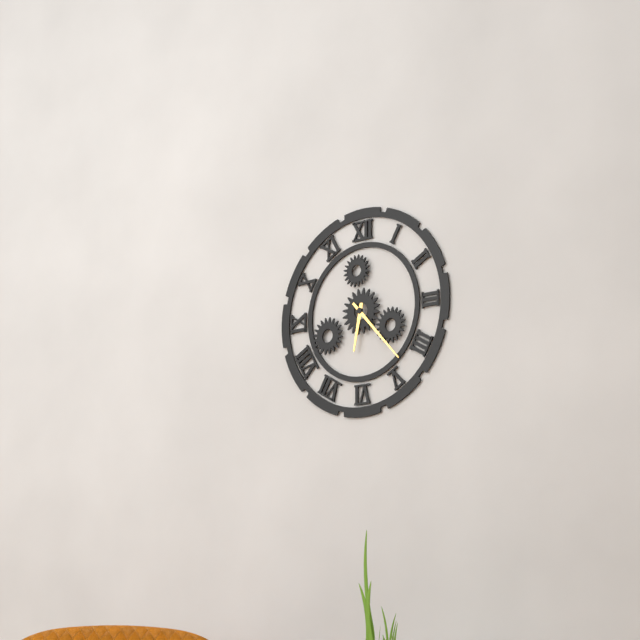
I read 6.23
